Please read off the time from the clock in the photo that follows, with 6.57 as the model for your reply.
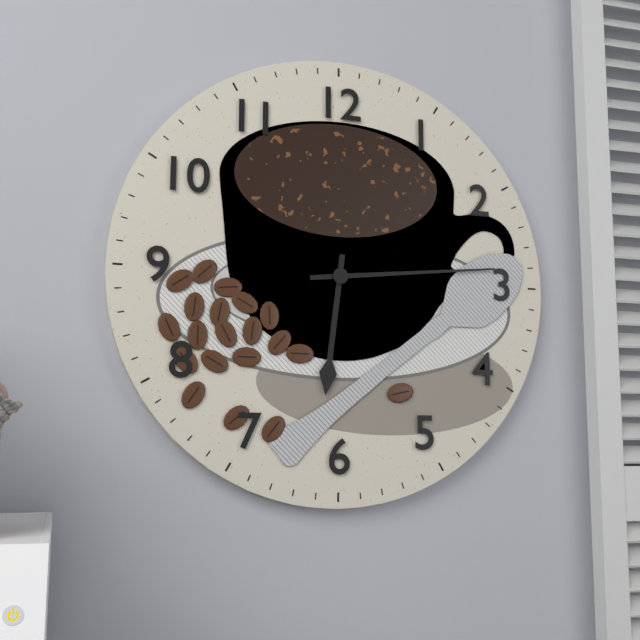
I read 6.14
